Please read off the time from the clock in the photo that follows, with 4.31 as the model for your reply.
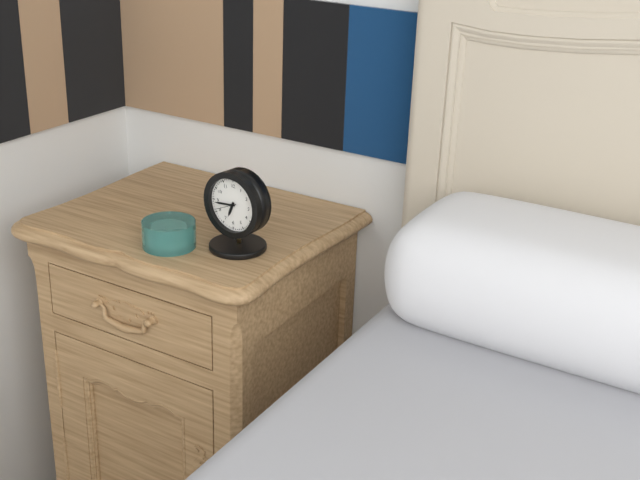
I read 6.44
